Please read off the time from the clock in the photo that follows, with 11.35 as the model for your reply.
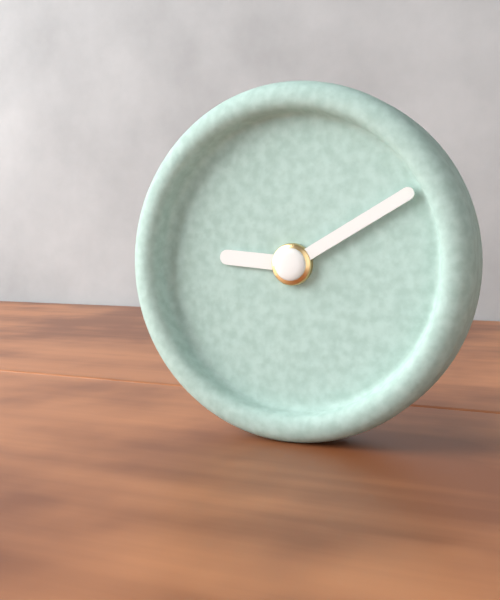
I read 9.10
